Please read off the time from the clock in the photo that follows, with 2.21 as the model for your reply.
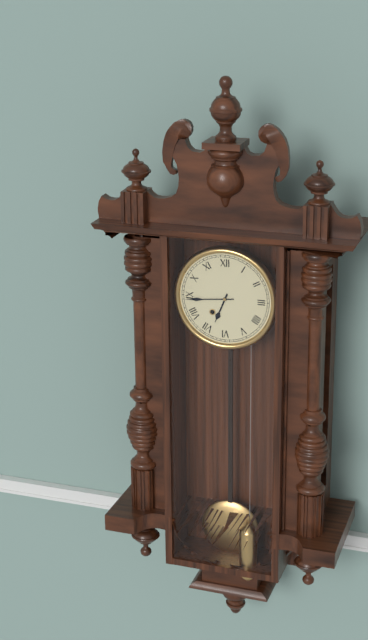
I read 6.44
